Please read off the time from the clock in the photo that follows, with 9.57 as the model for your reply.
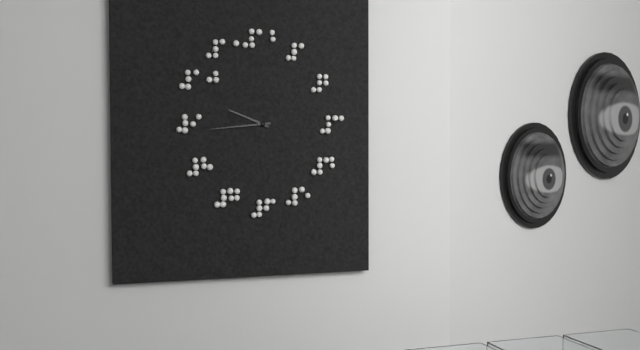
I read 9.44
